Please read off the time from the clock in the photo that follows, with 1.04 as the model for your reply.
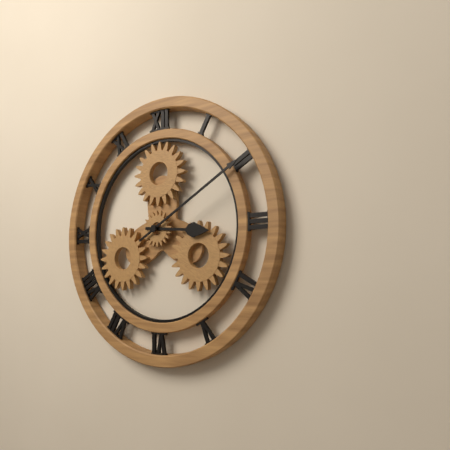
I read 3.10
